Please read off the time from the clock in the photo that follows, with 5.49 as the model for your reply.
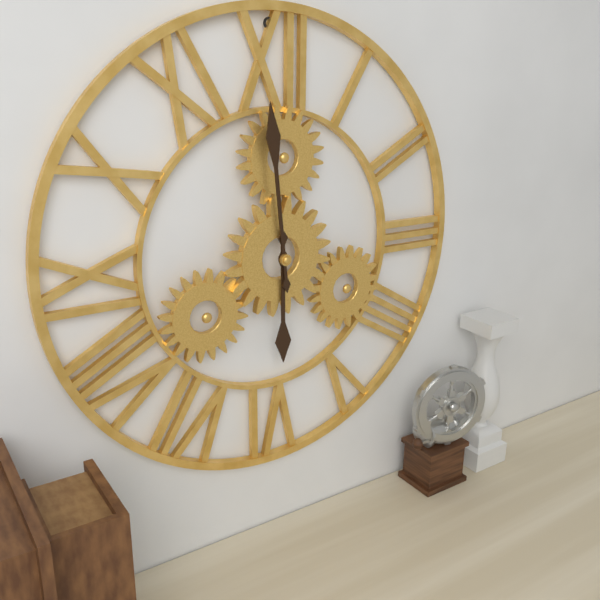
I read 5.59
